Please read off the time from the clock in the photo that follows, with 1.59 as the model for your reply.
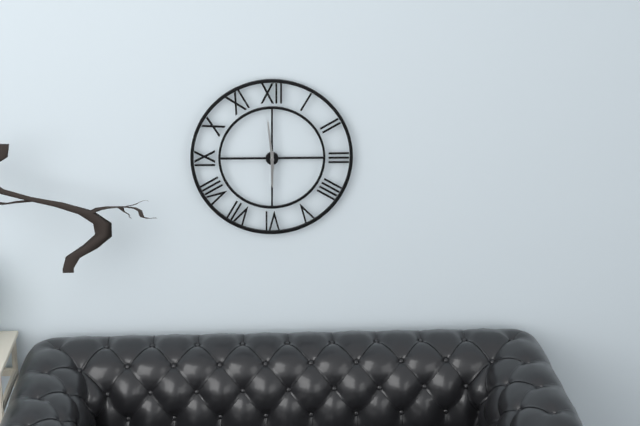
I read 5.59
